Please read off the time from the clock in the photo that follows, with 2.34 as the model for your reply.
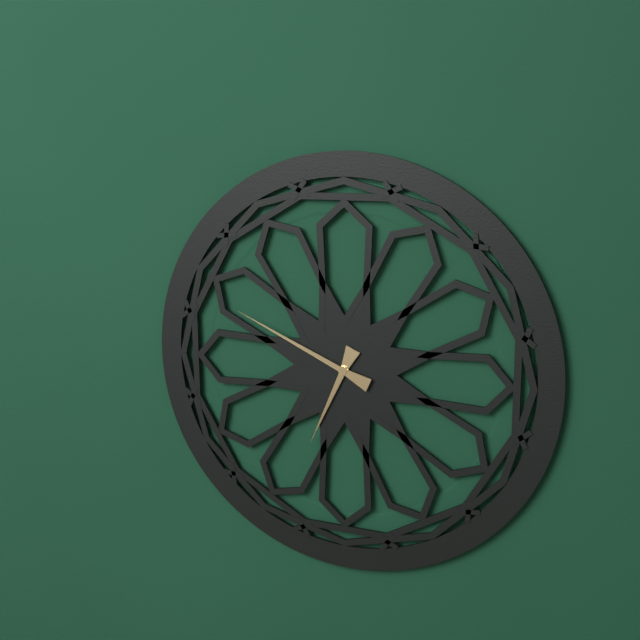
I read 6.49
